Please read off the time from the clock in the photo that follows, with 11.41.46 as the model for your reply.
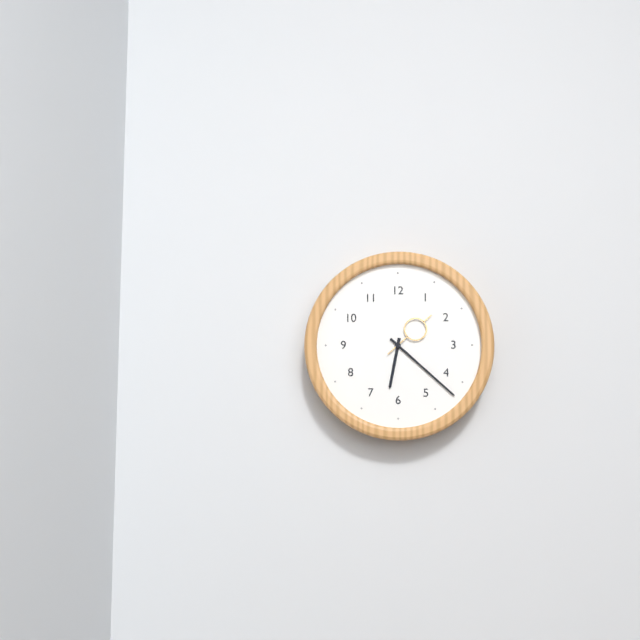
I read 6.22.08
